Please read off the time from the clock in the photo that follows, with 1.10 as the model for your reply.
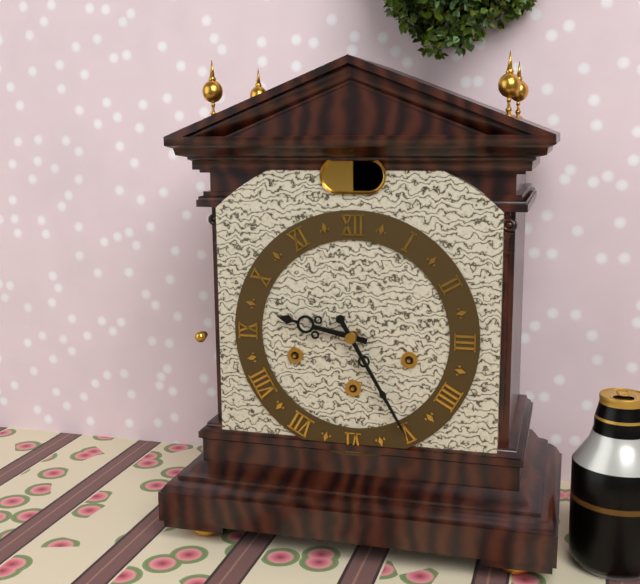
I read 9.25
